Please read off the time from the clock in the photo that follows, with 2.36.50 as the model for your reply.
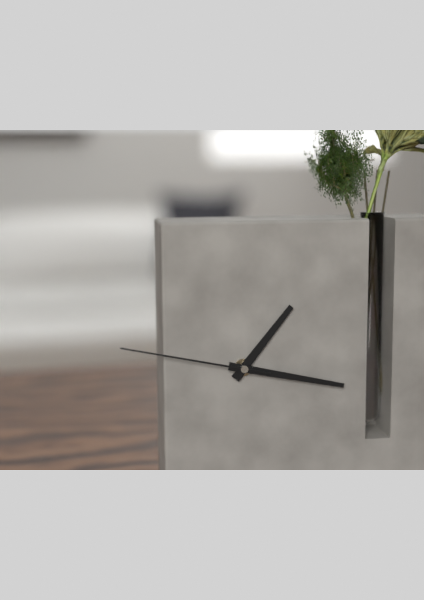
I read 1.17.47
